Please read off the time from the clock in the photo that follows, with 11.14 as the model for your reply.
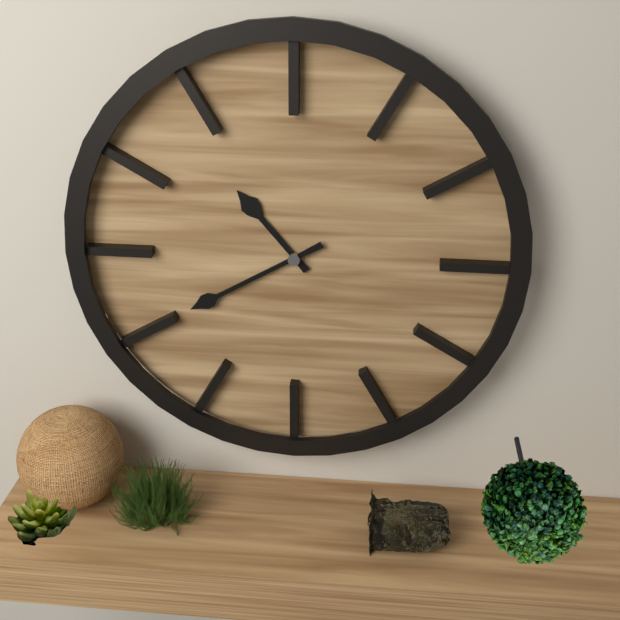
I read 10.40
